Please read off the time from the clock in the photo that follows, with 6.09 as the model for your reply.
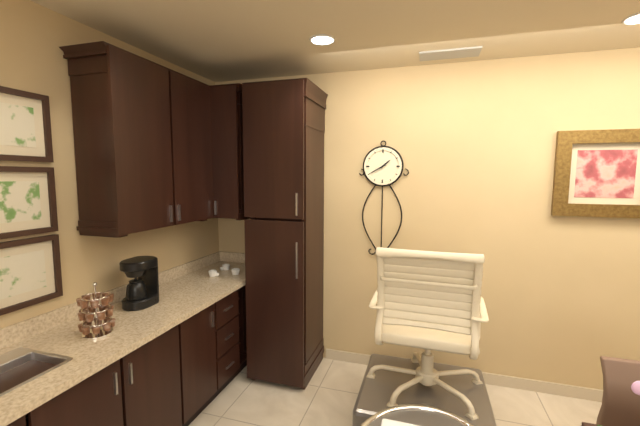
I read 1.40
